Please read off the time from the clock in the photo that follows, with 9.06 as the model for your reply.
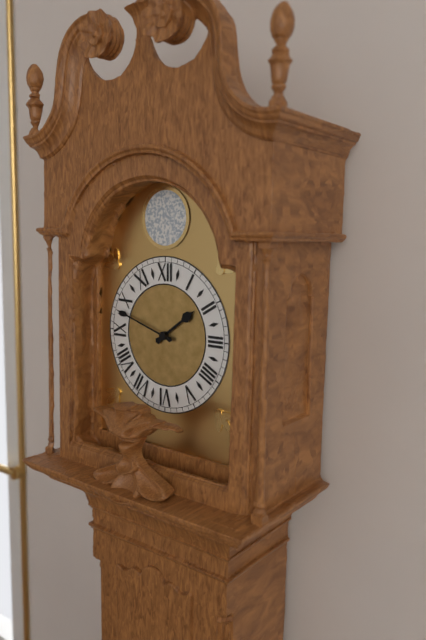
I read 1.48
